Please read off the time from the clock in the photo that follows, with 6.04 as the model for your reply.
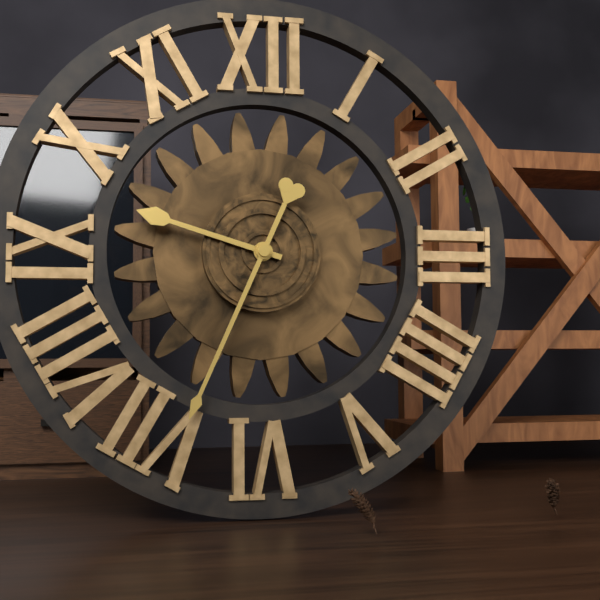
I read 9.34
